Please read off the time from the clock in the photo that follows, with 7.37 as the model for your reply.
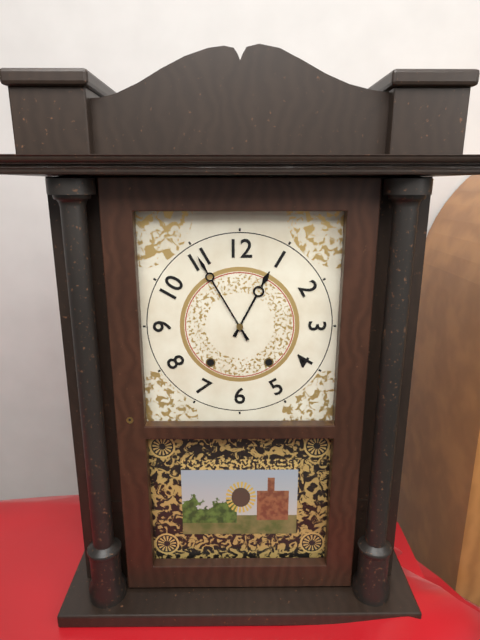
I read 12.55
